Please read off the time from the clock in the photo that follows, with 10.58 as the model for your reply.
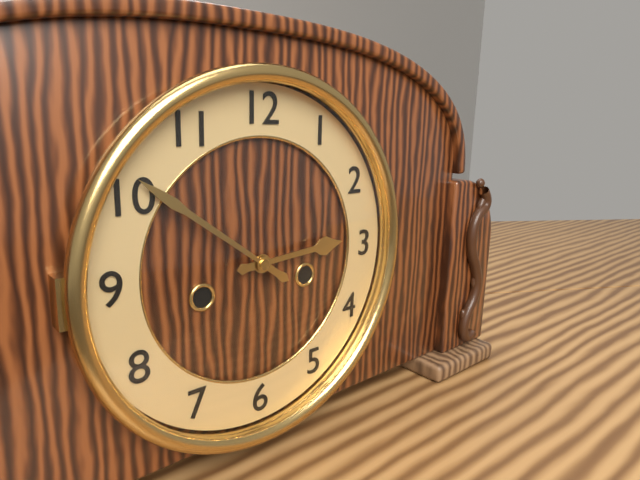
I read 2.51
